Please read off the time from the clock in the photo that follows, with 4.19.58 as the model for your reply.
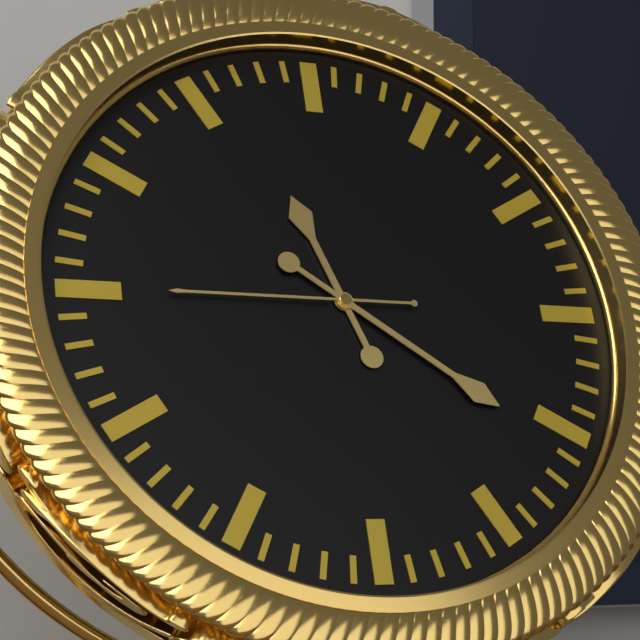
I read 11.21.45
